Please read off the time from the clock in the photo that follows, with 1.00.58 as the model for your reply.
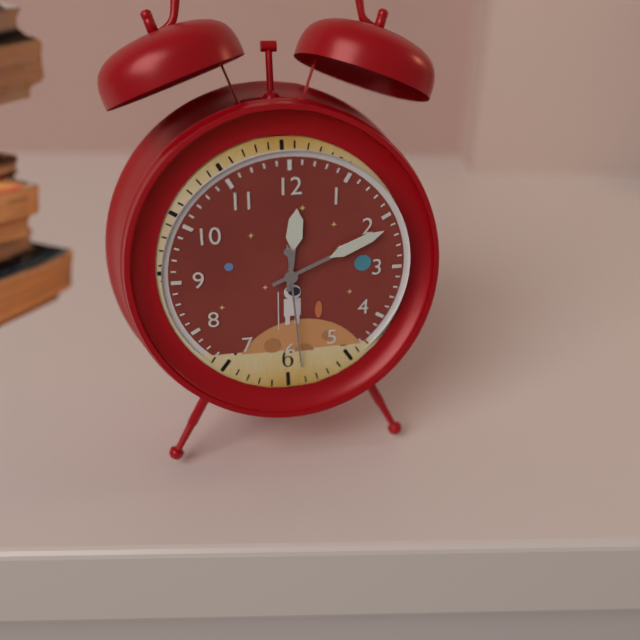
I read 12.11.29
